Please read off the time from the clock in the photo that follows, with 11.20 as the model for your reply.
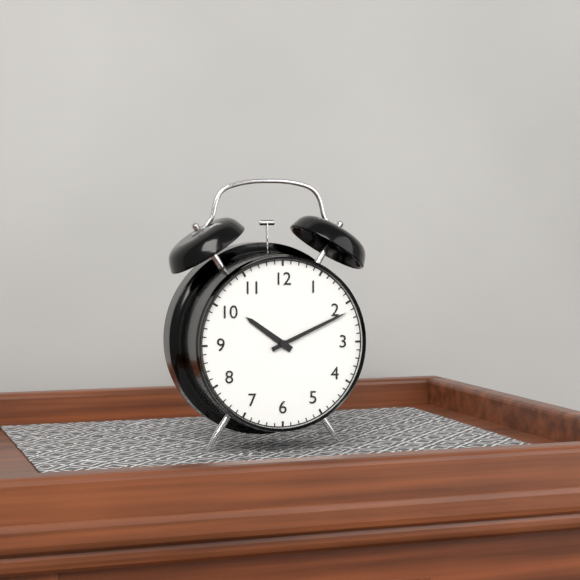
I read 10.11
